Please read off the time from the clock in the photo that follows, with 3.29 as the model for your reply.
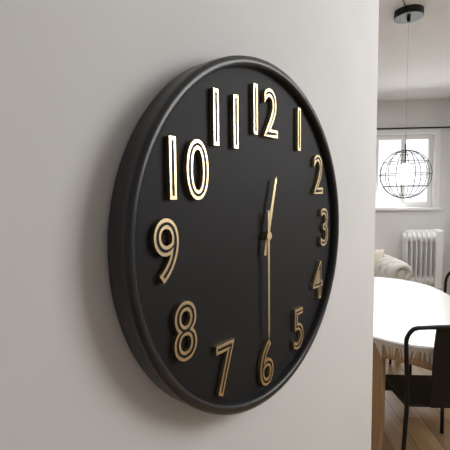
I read 12.30
